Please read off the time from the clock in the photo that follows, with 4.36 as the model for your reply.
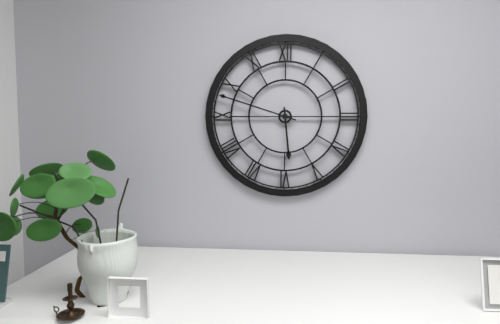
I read 5.48
